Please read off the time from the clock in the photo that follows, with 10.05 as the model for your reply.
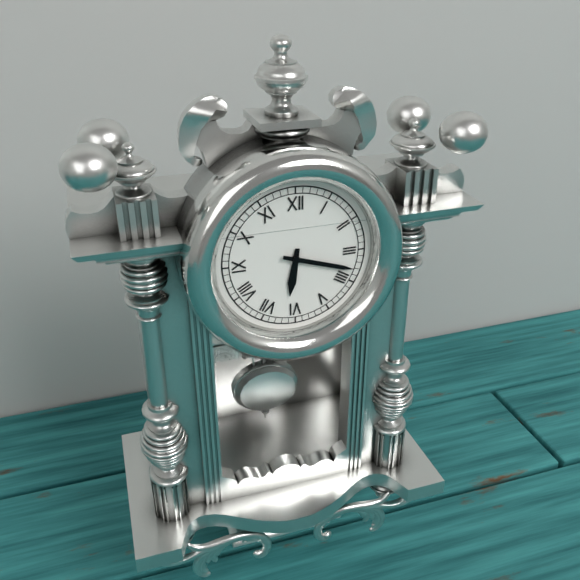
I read 6.18
